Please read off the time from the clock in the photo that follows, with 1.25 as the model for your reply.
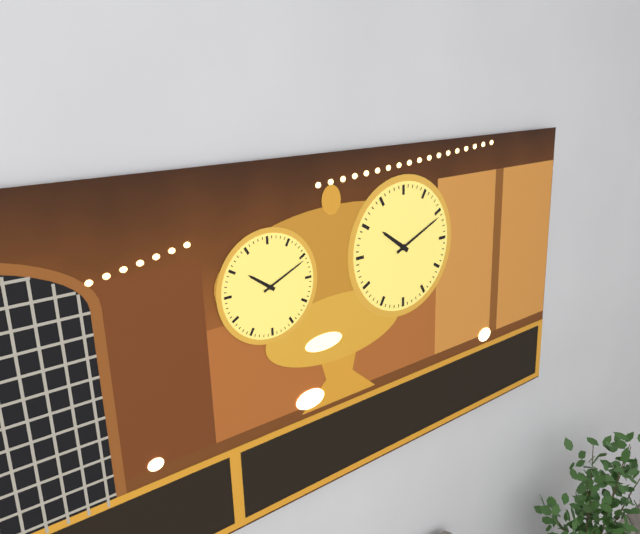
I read 10.11
